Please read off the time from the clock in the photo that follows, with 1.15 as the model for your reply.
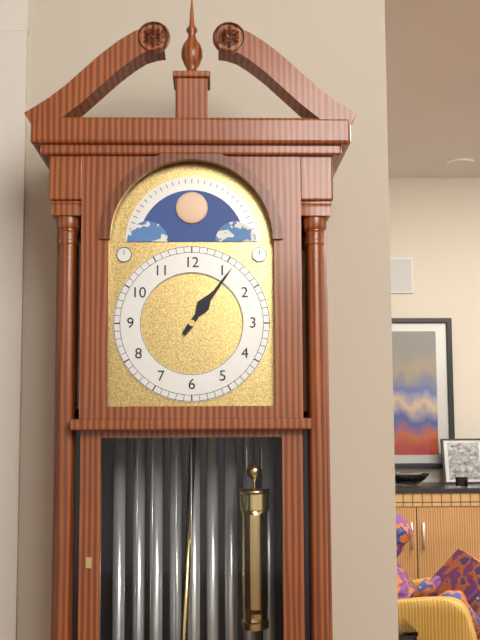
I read 1.06
